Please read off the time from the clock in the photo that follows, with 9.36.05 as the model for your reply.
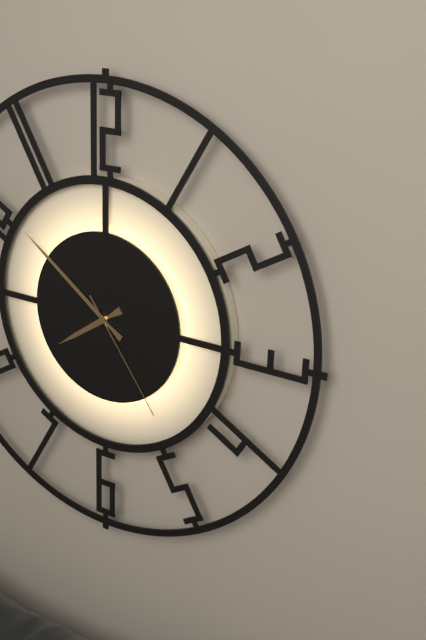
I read 7.51.24
